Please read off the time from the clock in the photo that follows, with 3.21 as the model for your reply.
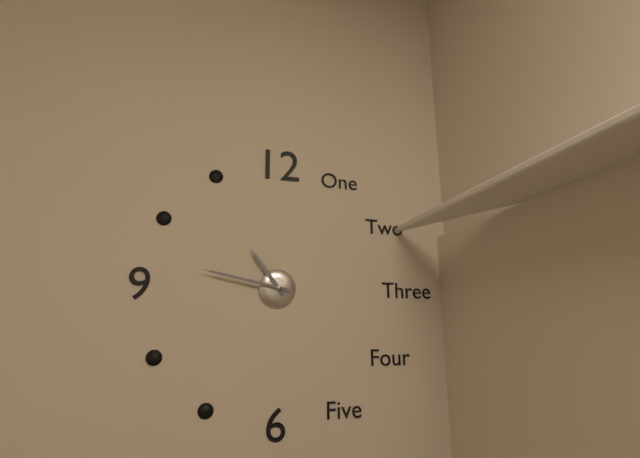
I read 10.47
